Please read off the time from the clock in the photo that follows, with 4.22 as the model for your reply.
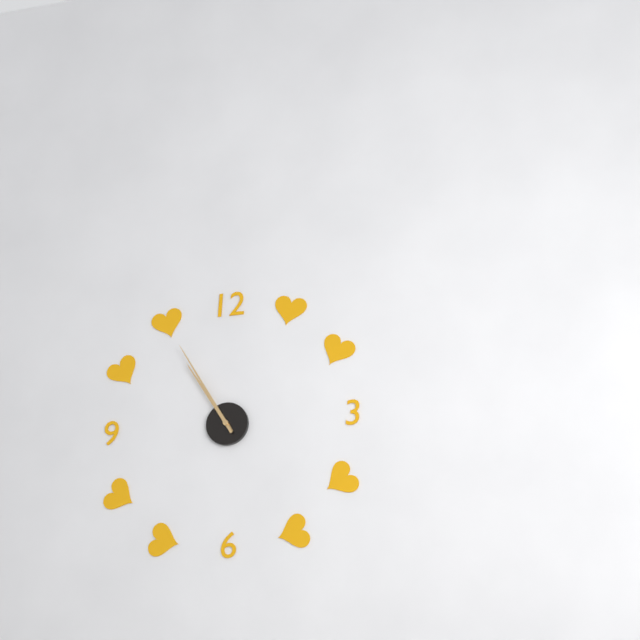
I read 10.55
